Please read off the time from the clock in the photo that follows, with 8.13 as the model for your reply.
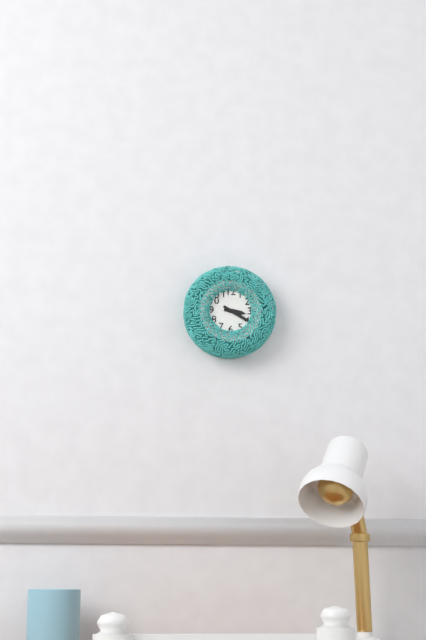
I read 3.20
